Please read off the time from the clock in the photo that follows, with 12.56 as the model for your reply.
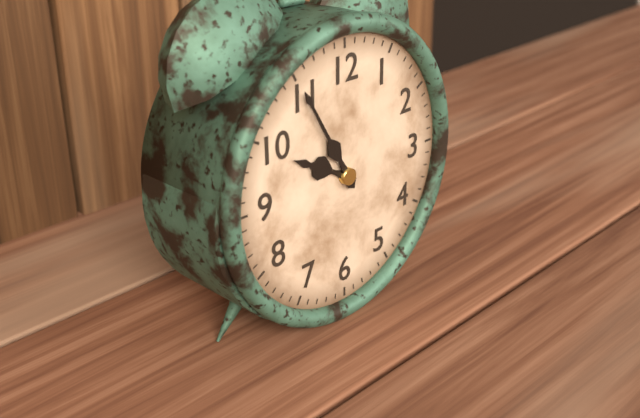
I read 9.55
